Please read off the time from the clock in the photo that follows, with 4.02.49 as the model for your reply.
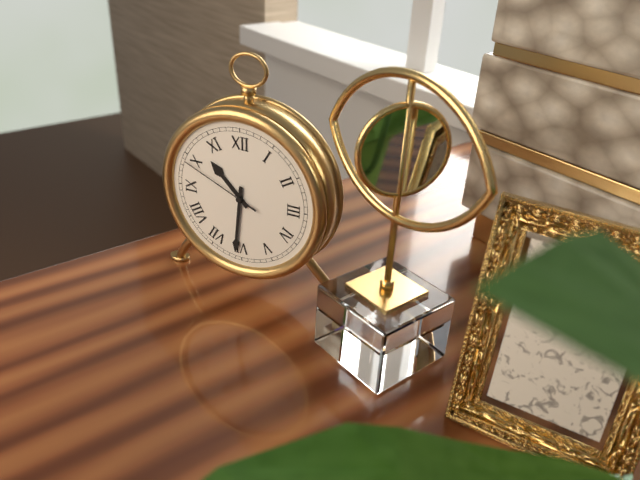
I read 10.31.49
